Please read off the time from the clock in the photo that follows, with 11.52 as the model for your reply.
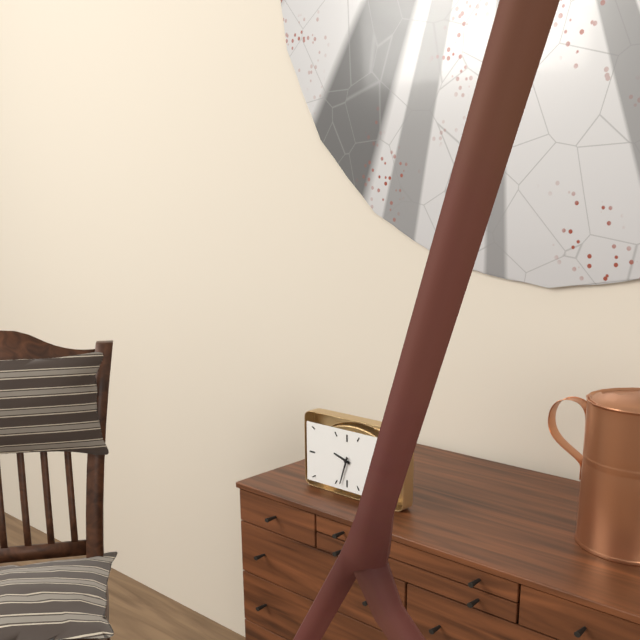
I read 9.33
